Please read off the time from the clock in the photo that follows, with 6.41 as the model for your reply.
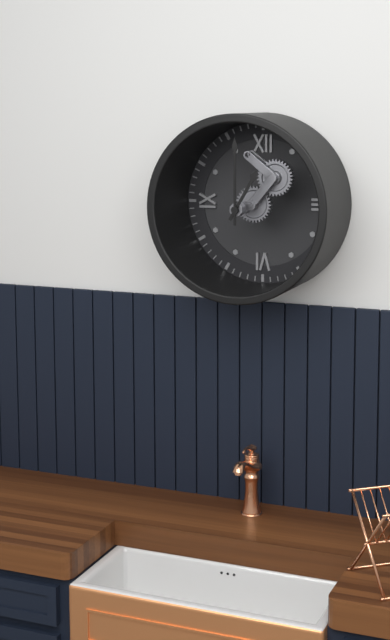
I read 1.00
